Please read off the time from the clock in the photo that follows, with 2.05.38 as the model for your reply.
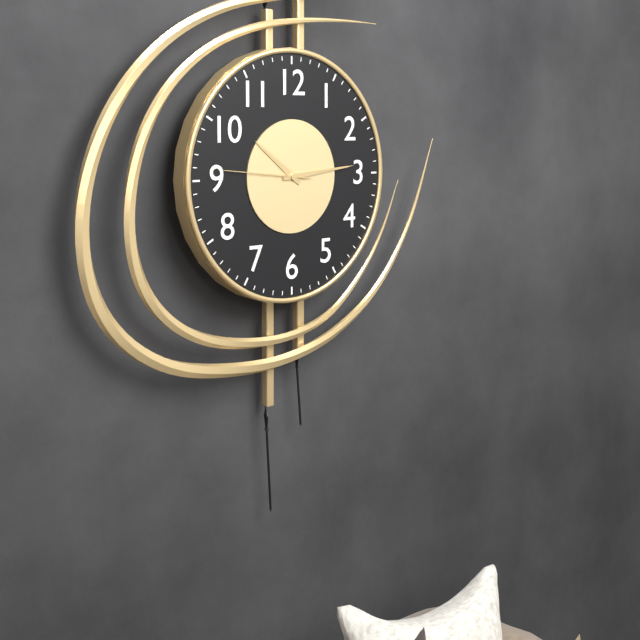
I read 10.14.46
